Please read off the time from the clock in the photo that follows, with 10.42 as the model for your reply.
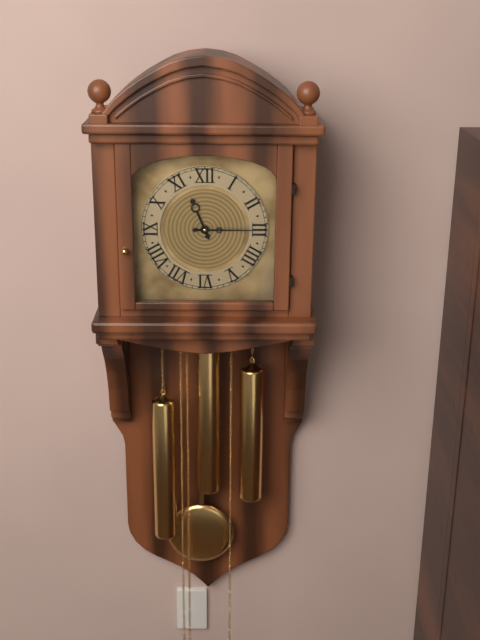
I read 11.15
